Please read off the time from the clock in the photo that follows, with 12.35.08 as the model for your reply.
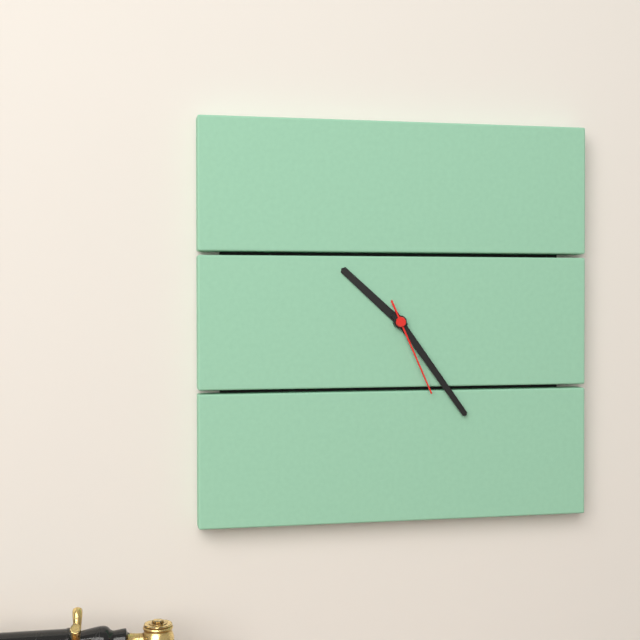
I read 10.24.26
